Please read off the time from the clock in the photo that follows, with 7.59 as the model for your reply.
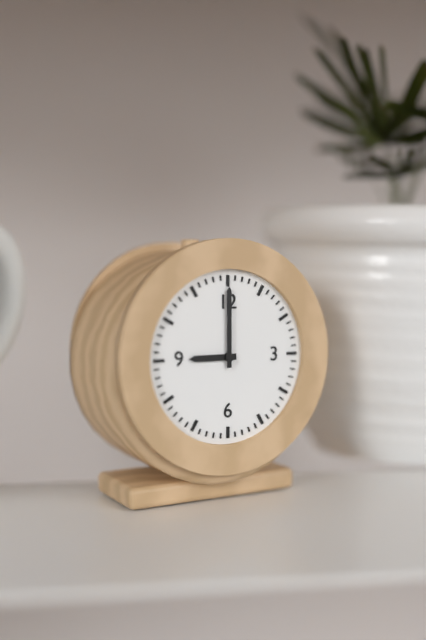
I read 9.00
